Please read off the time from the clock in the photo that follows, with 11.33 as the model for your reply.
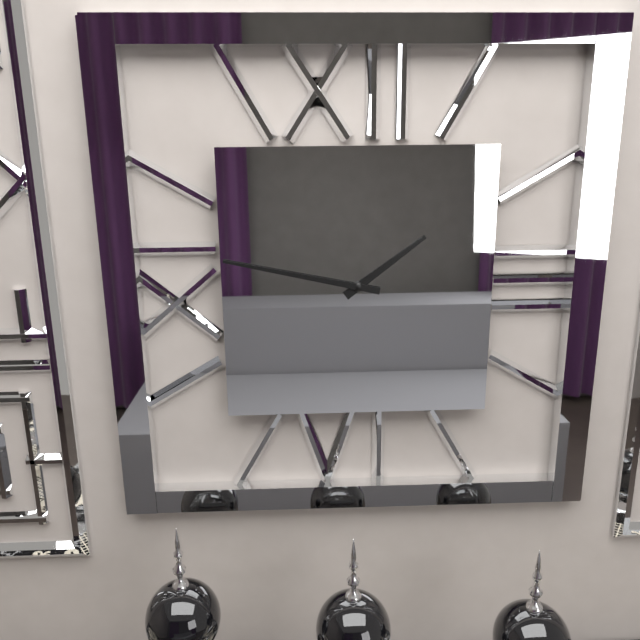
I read 1.47
